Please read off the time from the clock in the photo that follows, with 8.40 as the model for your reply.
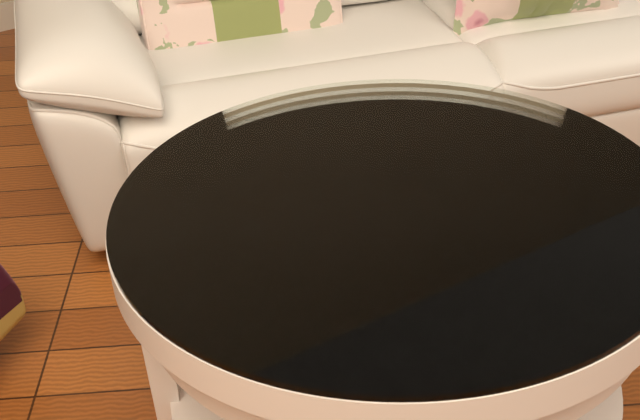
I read 8.14
